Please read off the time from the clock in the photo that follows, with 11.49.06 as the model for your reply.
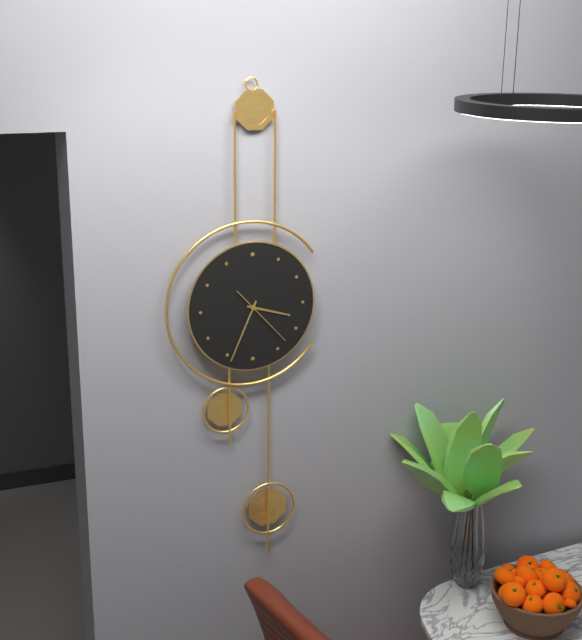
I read 3.34.23
